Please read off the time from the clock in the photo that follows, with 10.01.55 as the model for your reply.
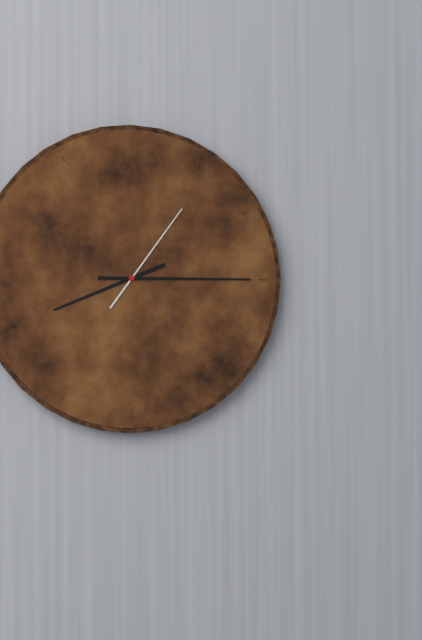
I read 8.15.06
